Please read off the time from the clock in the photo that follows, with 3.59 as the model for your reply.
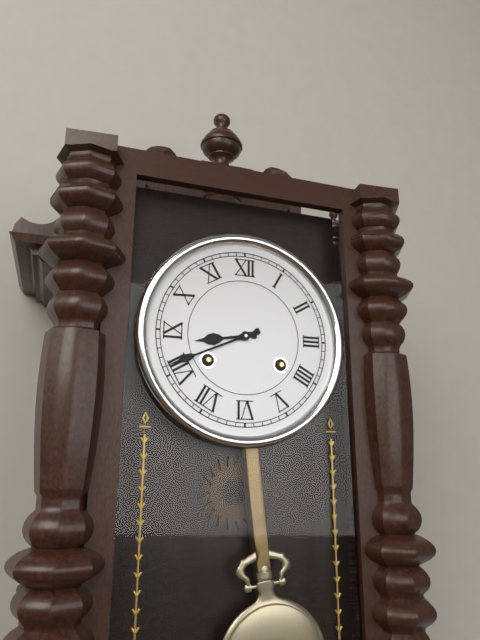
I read 8.41
